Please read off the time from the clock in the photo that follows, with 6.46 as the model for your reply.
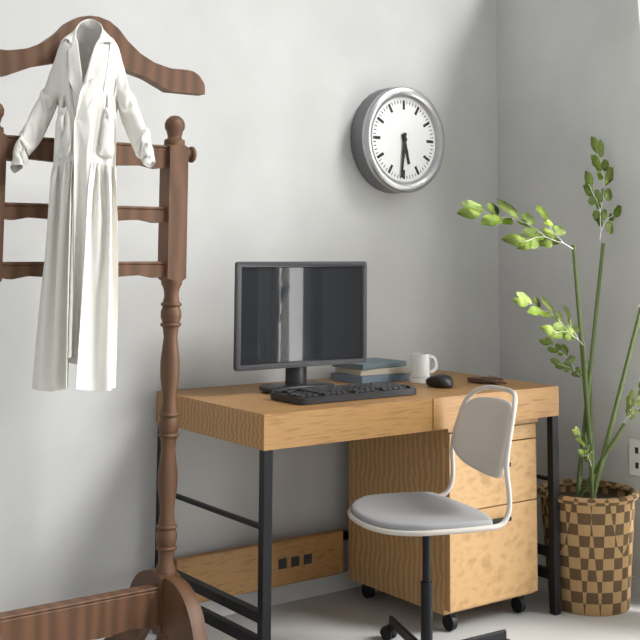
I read 5.31
